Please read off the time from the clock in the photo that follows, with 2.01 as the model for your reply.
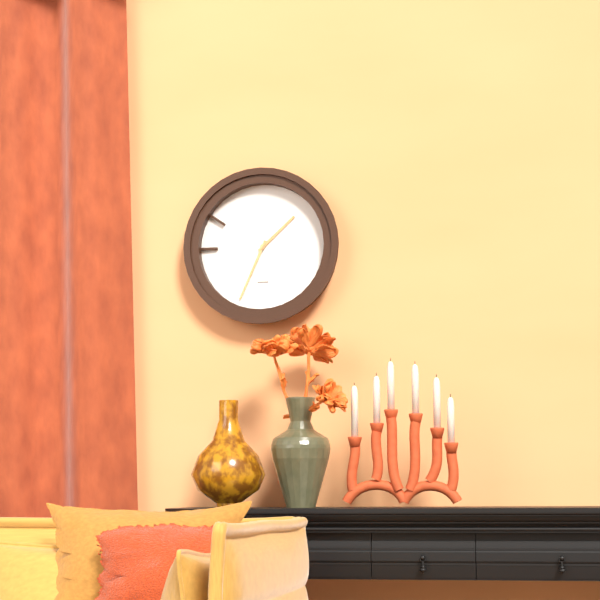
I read 1.34
